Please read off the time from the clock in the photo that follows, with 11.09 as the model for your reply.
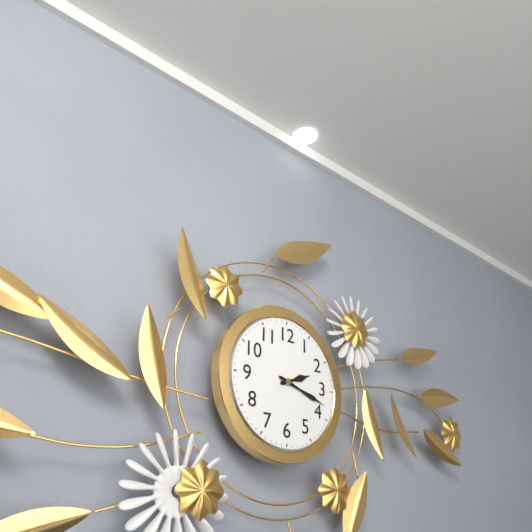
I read 2.18
